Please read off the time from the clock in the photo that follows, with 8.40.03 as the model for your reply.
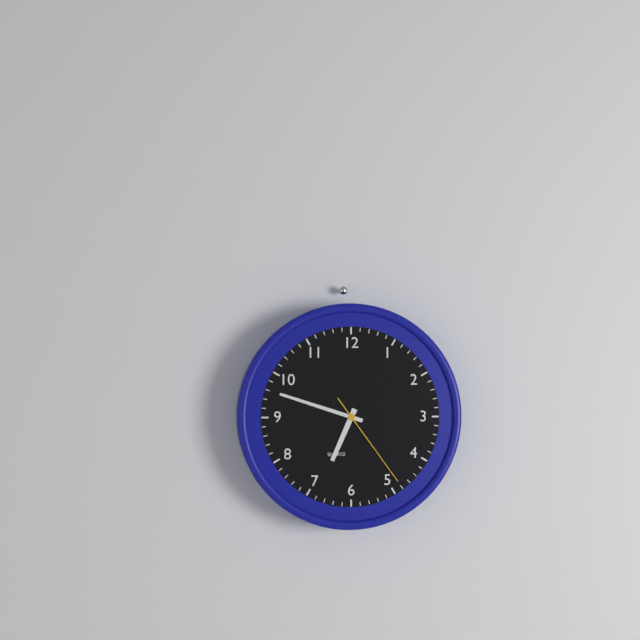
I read 6.48.24
